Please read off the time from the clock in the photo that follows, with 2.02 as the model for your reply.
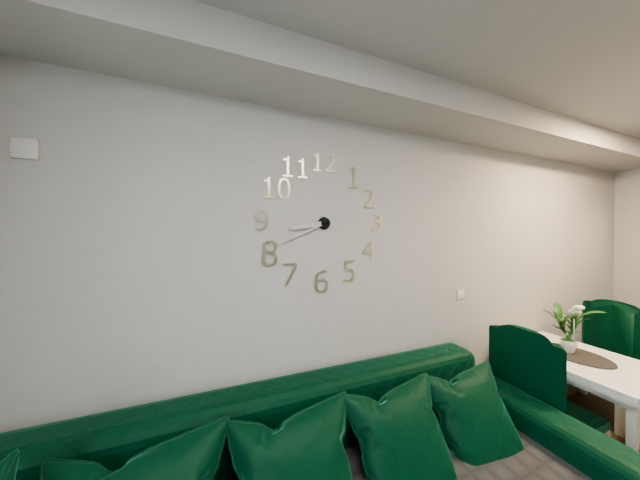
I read 8.41
